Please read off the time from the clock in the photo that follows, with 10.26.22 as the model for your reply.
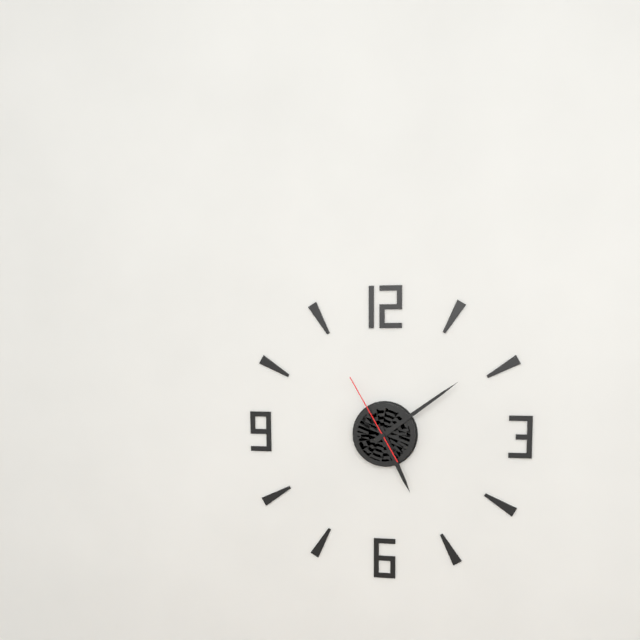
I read 5.09.55
